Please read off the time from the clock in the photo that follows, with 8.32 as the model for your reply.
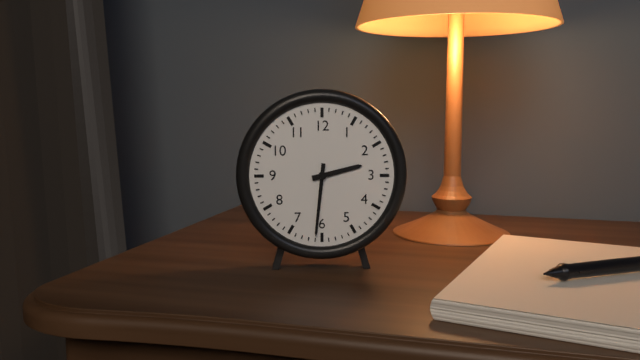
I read 2.31
